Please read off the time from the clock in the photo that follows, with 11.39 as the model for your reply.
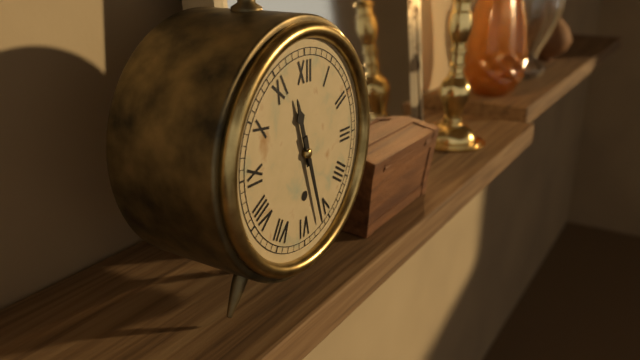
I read 11.27
